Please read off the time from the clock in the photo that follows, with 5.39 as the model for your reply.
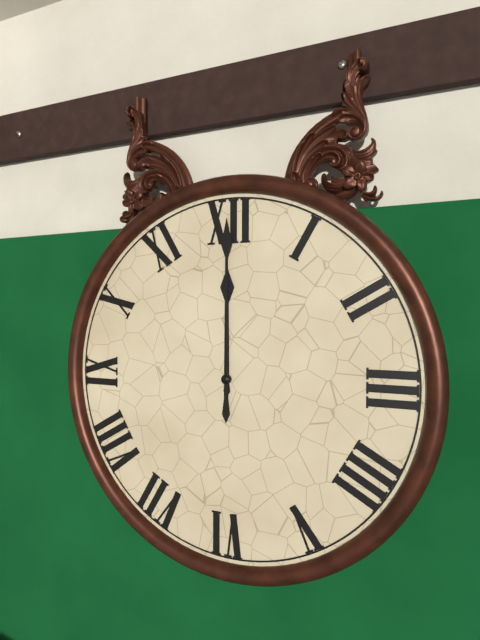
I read 12.00
